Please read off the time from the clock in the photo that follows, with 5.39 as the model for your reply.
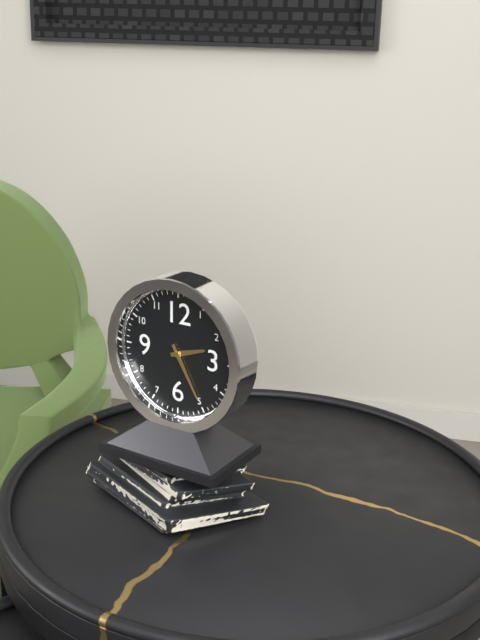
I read 2.25
